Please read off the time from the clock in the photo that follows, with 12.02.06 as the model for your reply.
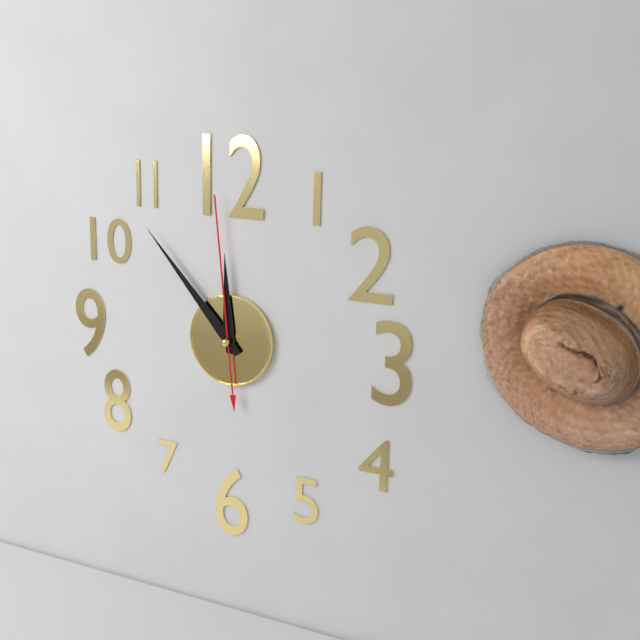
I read 11.53.59
